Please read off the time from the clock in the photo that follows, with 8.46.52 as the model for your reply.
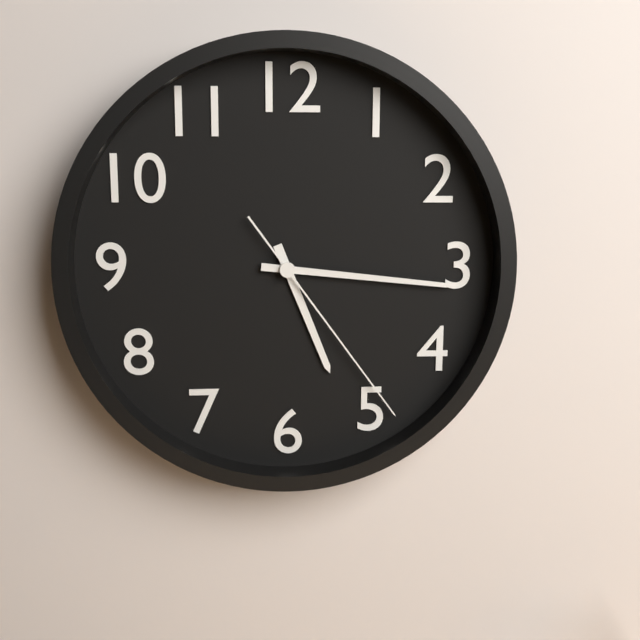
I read 5.16.24
